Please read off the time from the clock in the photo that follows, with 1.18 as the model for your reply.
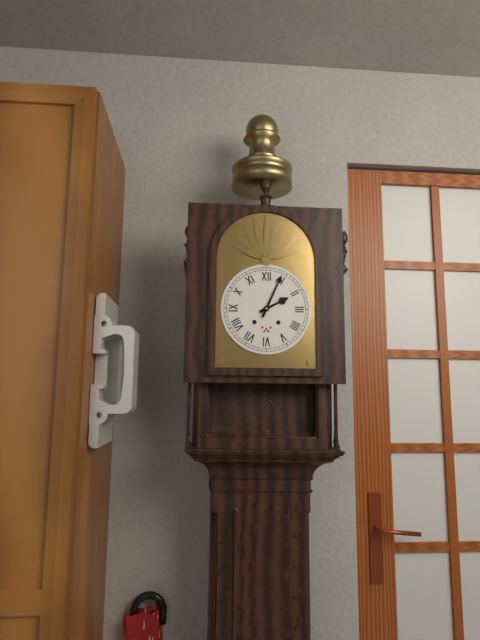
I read 2.04
